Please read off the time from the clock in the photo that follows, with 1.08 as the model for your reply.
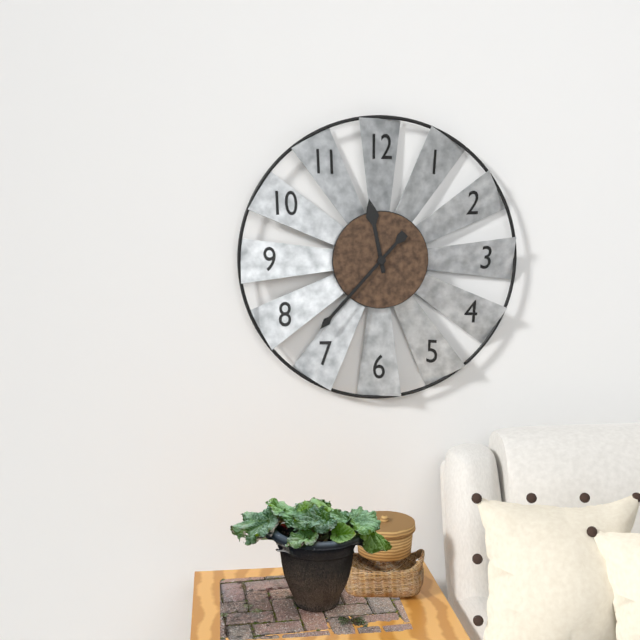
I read 11.37
